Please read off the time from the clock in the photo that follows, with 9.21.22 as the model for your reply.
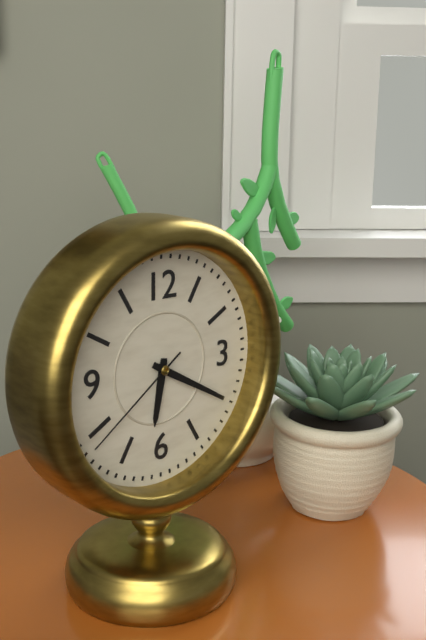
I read 6.20.39
